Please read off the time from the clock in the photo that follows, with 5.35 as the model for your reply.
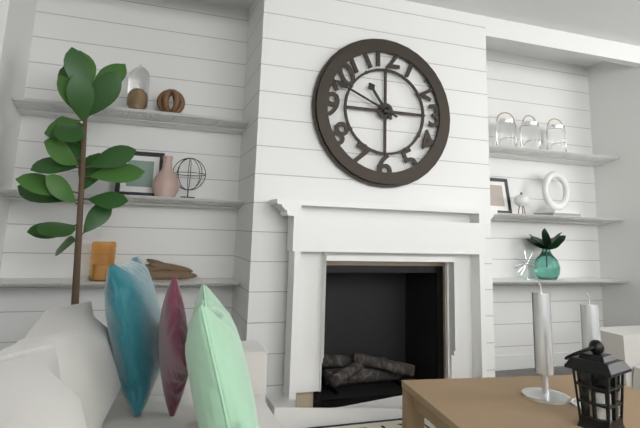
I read 10.49
